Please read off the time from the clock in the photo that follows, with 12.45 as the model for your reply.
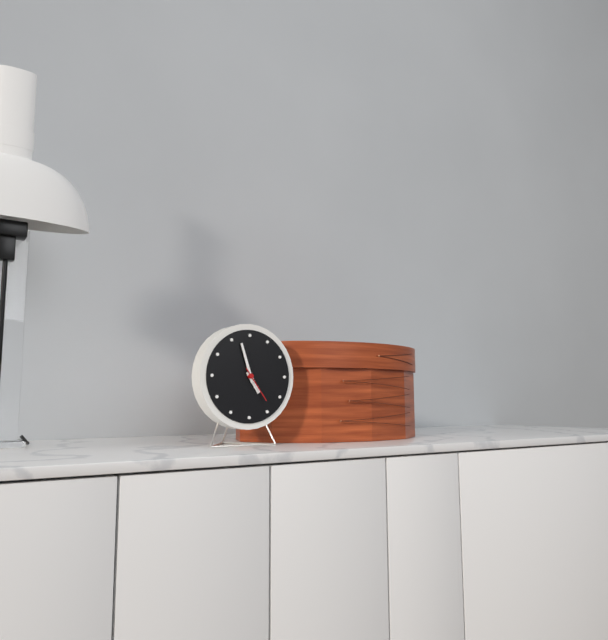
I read 4.57
